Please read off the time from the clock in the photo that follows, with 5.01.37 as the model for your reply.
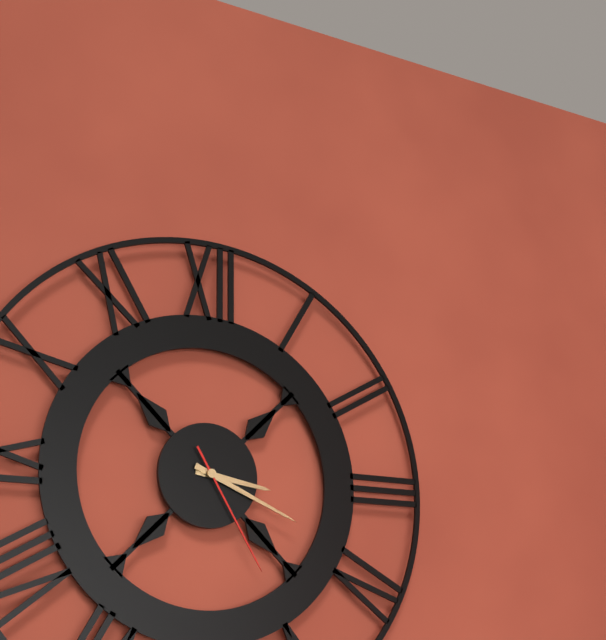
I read 3.19.25
